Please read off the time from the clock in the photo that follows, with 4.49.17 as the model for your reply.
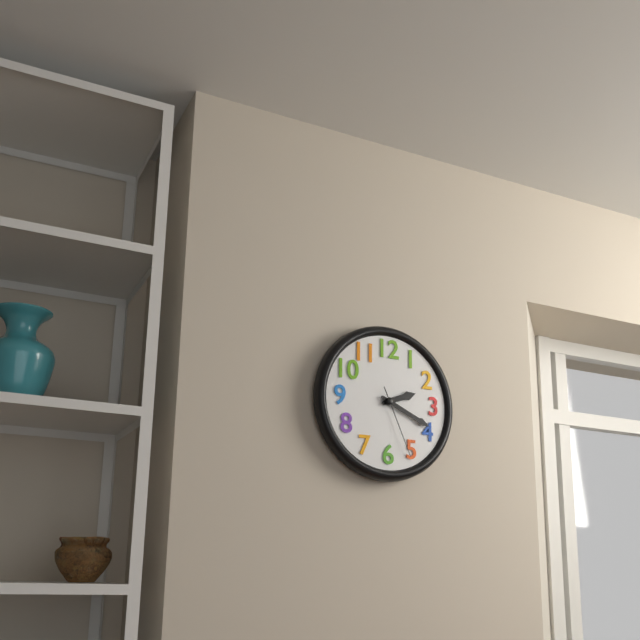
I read 2.19.26
